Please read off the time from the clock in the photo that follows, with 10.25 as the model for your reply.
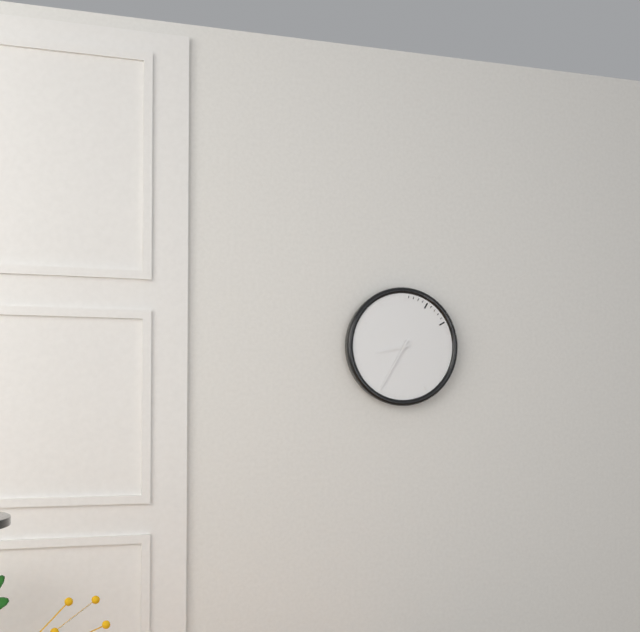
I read 8.35
